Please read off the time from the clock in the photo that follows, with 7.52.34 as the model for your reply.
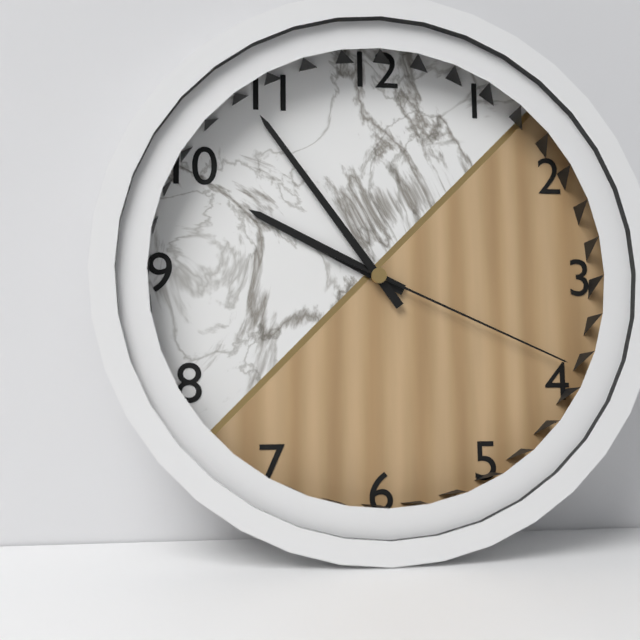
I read 9.54.19
